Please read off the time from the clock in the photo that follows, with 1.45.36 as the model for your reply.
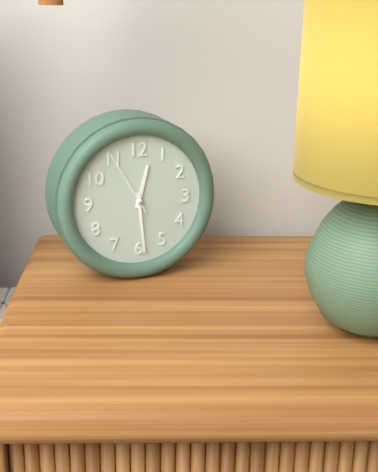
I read 12.29.55
